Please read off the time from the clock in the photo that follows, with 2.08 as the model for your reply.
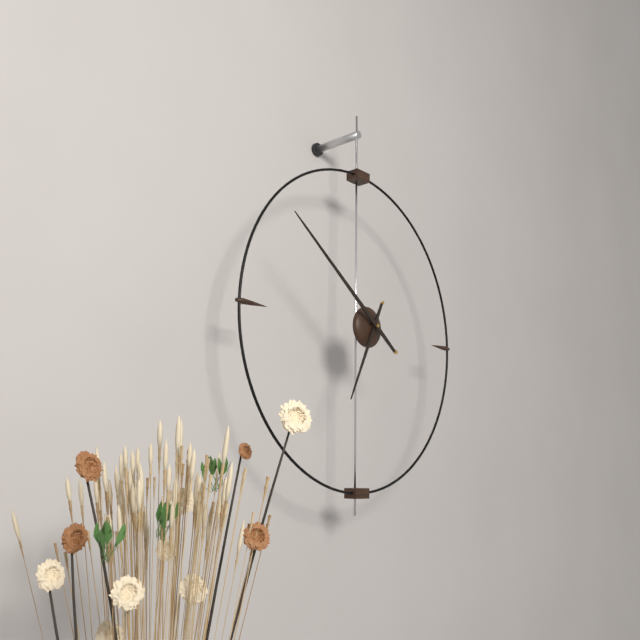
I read 6.51
